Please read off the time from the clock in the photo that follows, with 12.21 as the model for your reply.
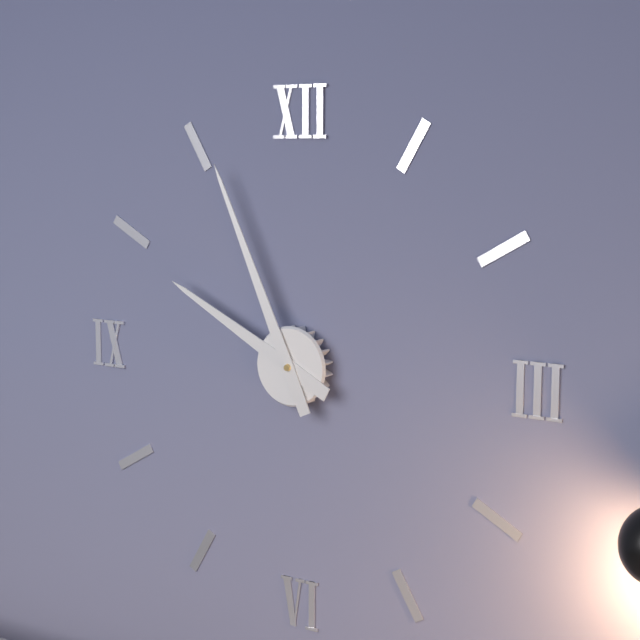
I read 9.56
